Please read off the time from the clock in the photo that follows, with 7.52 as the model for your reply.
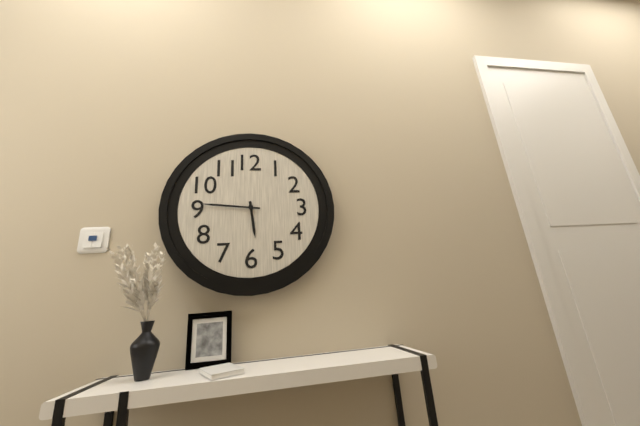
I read 5.46
